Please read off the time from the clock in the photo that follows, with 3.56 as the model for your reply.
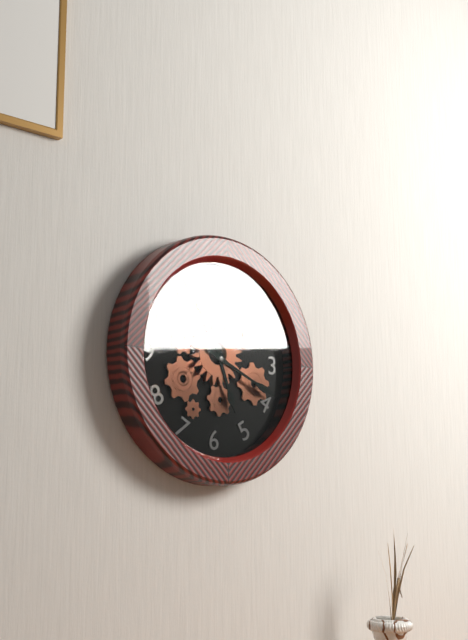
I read 5.19
